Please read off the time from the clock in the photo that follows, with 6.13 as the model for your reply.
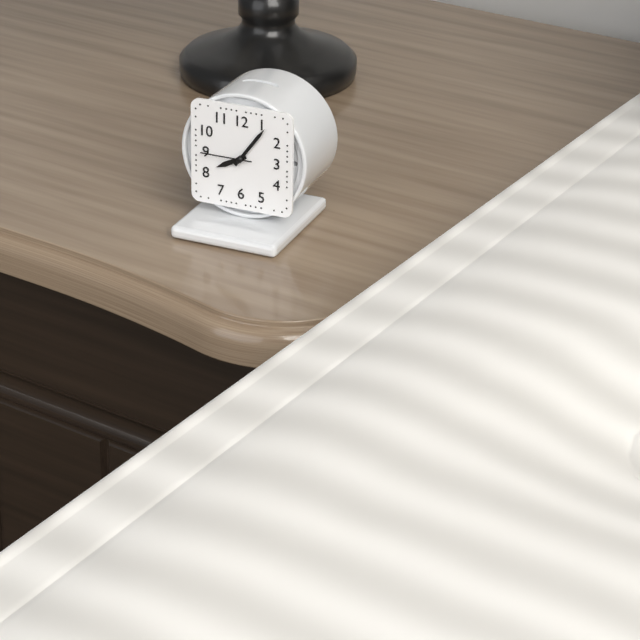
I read 8.06
